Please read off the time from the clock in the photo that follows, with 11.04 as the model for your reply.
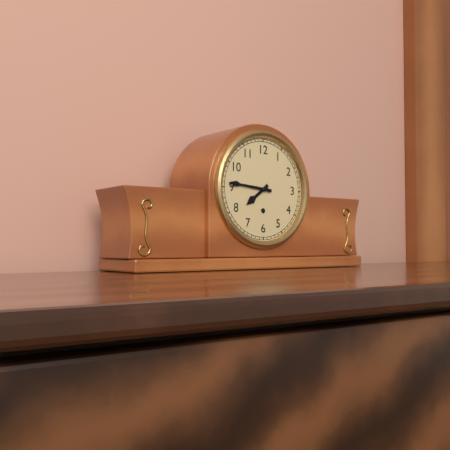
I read 7.46
